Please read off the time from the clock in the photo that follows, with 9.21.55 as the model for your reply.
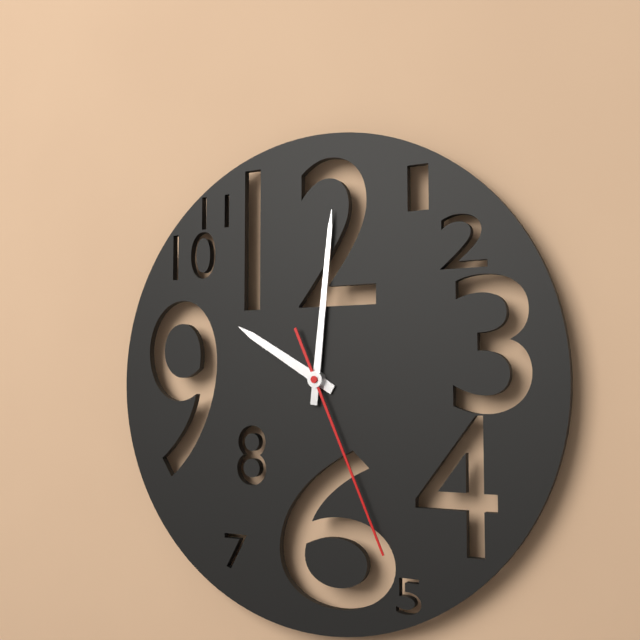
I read 10.01.26
